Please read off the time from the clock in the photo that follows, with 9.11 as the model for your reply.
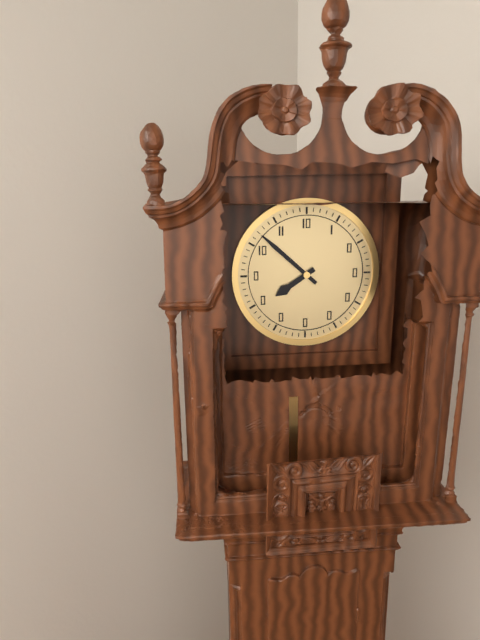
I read 7.52
